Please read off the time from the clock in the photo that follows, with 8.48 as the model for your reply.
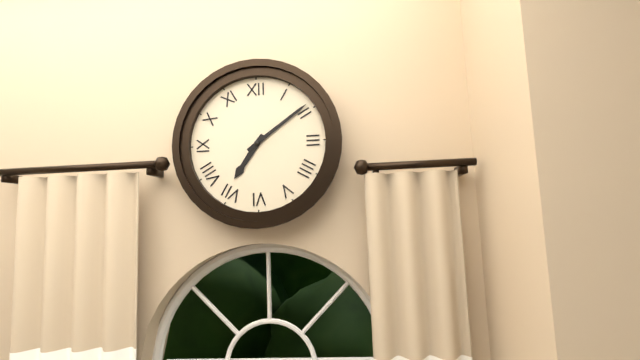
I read 7.09
